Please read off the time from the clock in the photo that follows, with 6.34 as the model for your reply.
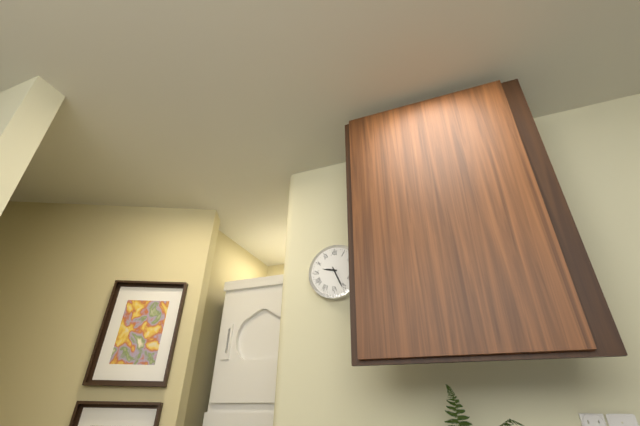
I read 9.26
